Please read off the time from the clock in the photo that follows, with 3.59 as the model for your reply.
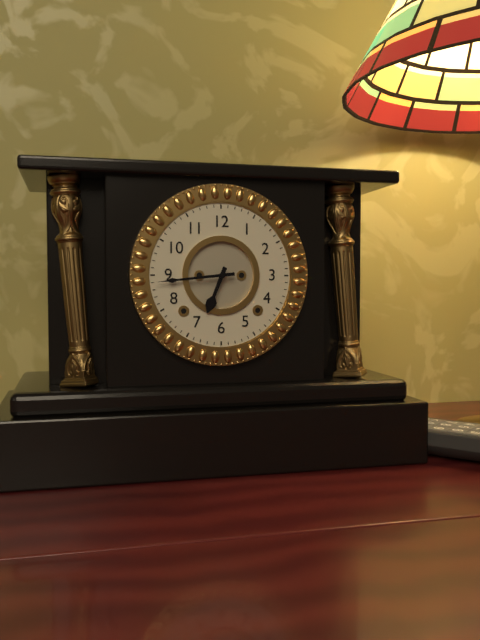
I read 6.44
